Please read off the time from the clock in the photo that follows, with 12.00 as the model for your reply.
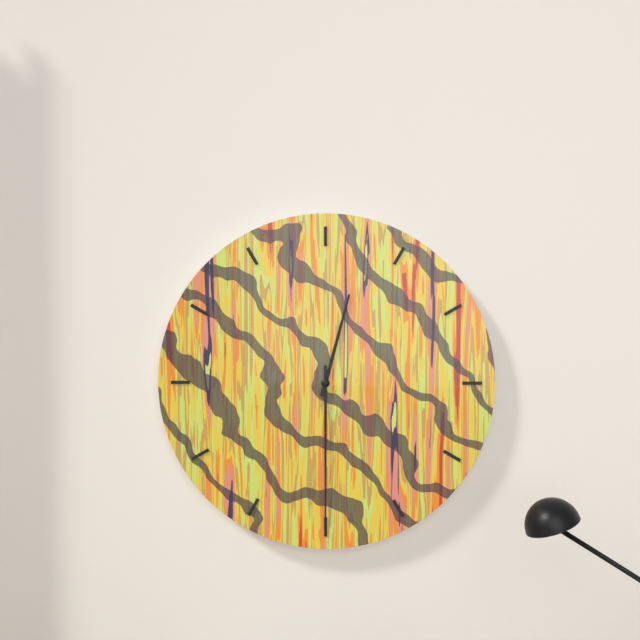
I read 12.30
